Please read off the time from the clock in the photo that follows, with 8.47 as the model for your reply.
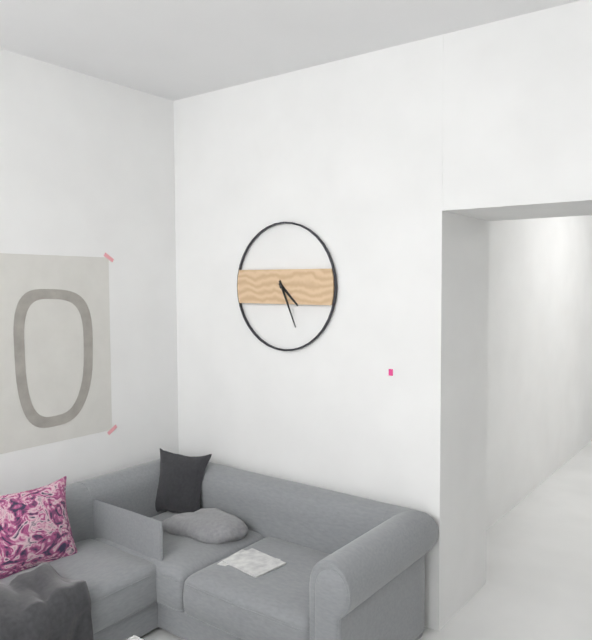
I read 4.26
